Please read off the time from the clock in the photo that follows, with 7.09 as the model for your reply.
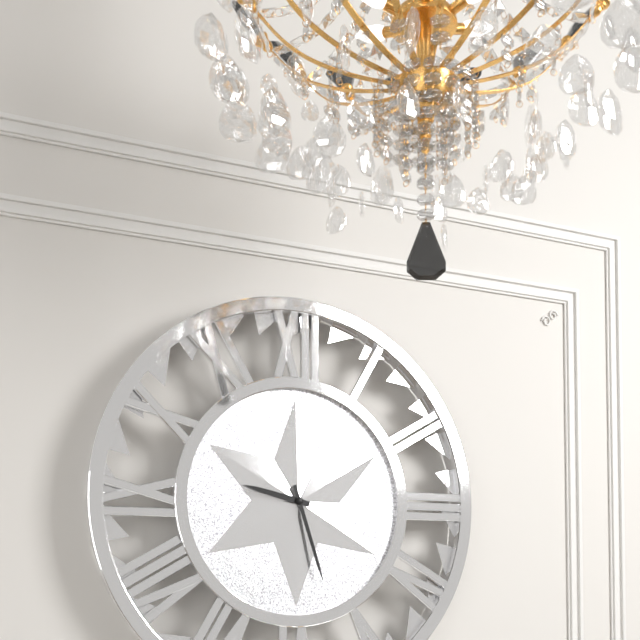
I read 9.27
